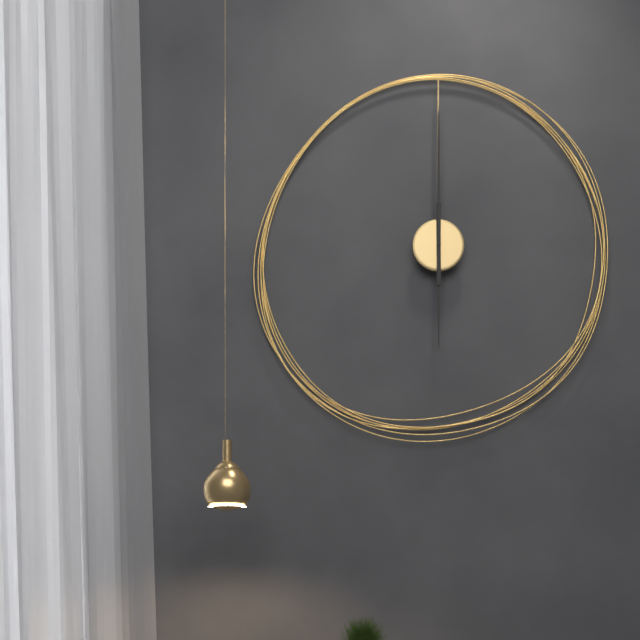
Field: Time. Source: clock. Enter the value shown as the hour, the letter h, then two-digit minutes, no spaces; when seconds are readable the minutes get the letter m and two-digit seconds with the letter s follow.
6h00
